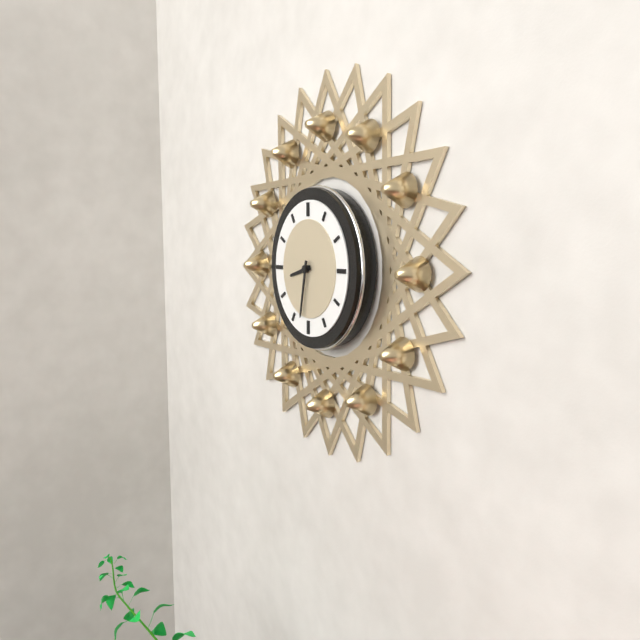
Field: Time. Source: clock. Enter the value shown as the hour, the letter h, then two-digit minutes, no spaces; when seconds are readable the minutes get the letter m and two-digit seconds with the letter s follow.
8h32
